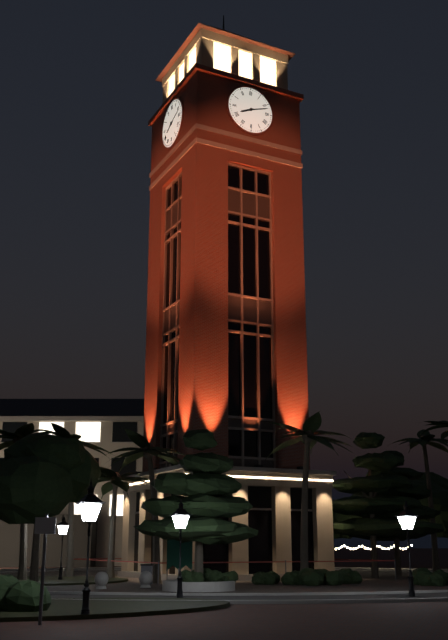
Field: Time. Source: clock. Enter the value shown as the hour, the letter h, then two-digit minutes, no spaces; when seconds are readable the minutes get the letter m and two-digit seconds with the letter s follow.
8h12
